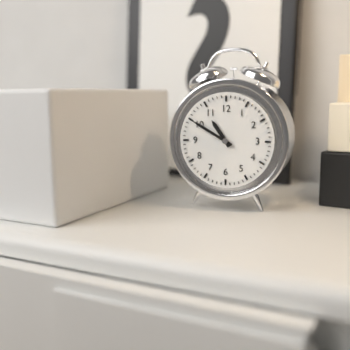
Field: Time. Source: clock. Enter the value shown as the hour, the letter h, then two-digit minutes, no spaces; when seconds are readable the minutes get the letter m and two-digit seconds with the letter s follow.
10h50
